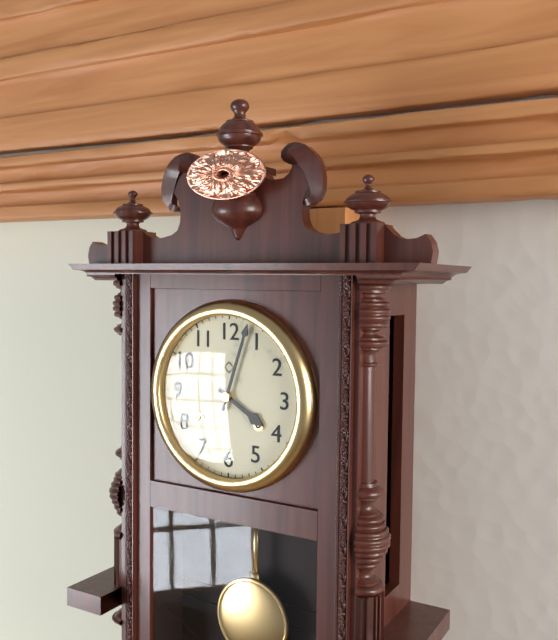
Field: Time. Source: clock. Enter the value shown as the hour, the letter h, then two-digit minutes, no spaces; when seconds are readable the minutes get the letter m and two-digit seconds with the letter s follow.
4h03
